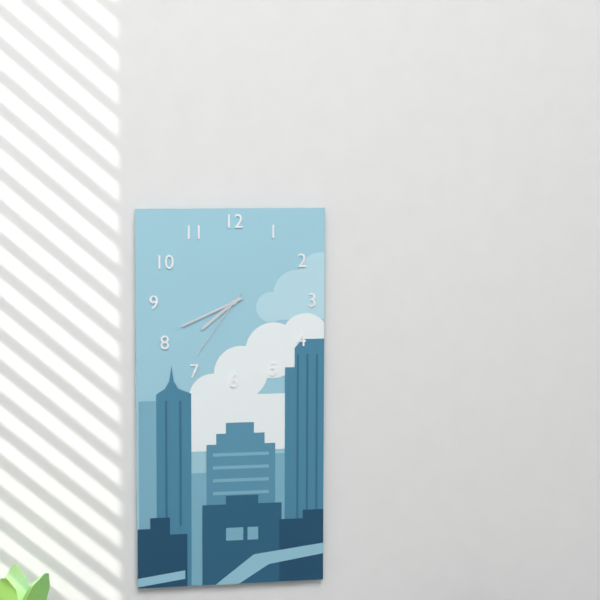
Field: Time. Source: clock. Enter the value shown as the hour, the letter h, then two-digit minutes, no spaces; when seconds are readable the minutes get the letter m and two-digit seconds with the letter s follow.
7h41m36s
